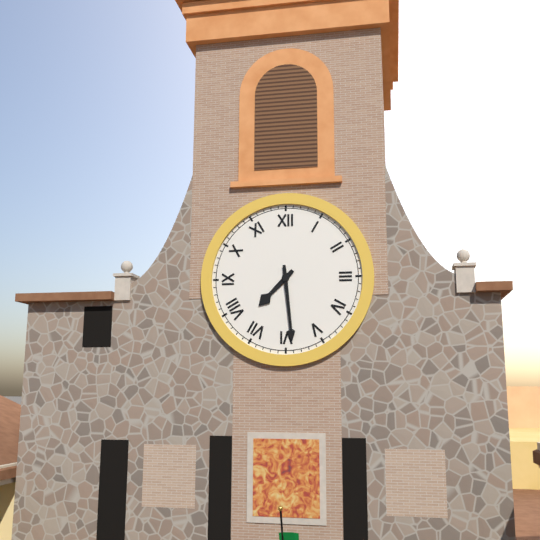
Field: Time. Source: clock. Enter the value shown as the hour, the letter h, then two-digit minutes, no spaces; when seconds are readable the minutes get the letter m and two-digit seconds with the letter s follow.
7h29
